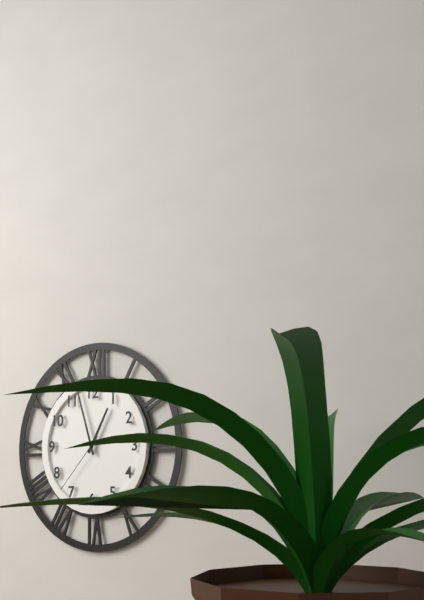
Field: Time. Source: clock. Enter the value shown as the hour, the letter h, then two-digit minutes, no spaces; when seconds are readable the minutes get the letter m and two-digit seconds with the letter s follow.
12h57m37s
